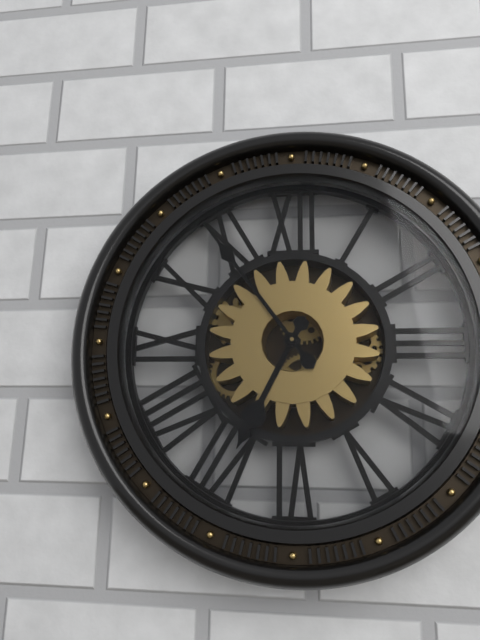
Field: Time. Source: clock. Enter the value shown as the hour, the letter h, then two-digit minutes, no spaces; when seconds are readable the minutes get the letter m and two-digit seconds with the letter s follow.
6h54
